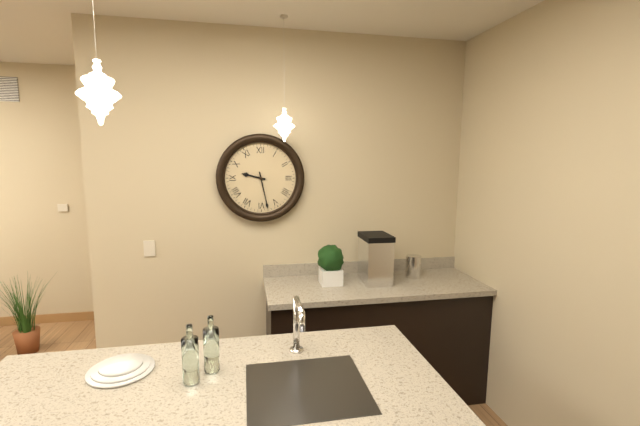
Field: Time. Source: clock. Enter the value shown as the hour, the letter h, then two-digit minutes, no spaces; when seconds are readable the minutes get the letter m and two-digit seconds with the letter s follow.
9h28
